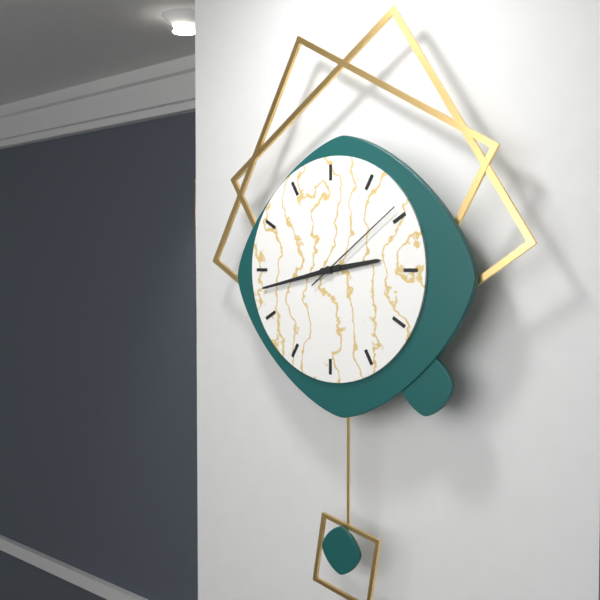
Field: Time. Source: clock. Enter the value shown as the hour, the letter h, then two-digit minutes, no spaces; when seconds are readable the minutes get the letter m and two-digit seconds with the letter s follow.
2h43m09s
